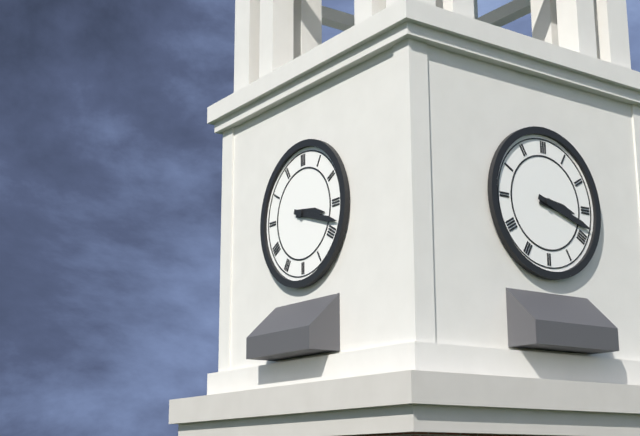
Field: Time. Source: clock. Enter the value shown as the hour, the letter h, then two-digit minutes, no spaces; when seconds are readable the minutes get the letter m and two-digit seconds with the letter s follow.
3h18
